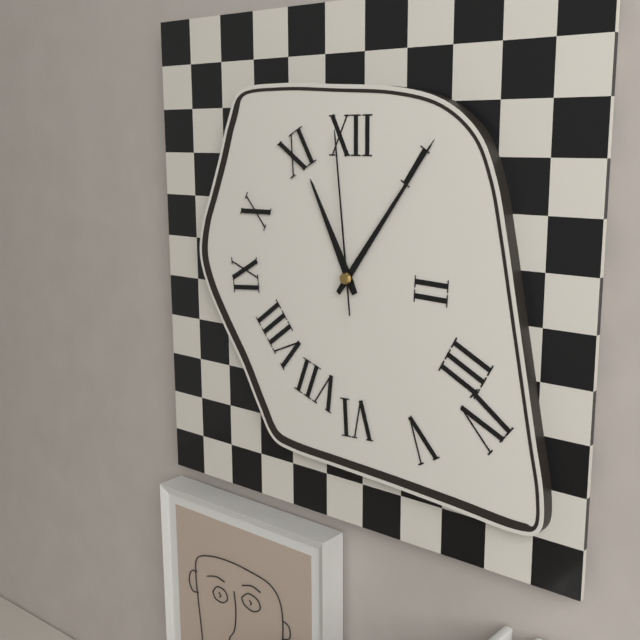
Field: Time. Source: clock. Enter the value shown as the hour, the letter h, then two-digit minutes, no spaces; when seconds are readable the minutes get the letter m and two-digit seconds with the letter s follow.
11h06m59s
